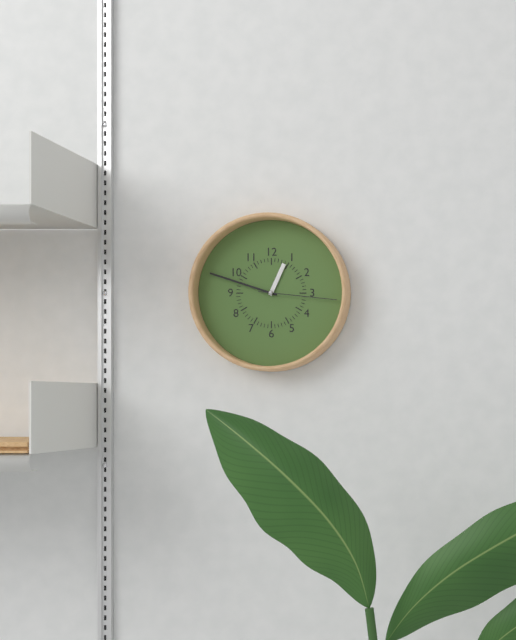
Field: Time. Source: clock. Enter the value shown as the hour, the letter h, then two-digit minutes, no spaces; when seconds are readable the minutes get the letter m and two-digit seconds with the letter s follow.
12h48m16s
